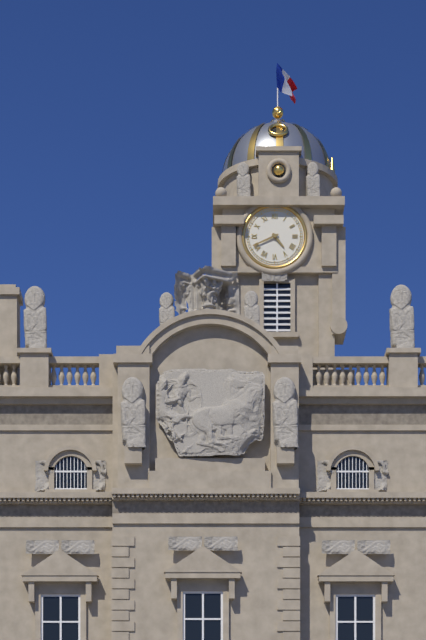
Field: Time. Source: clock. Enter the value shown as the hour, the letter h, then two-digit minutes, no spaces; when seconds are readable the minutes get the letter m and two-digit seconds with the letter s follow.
4h41
